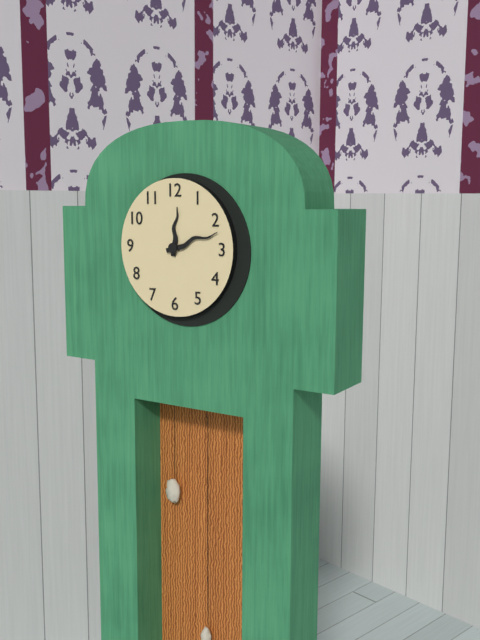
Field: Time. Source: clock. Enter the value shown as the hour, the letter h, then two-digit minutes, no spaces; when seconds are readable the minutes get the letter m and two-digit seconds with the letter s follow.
12h12
